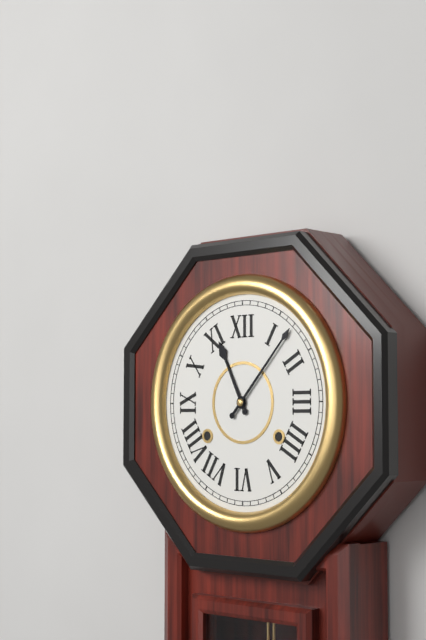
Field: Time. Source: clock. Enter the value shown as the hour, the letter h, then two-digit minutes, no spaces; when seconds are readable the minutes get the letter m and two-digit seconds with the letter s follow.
11h07
